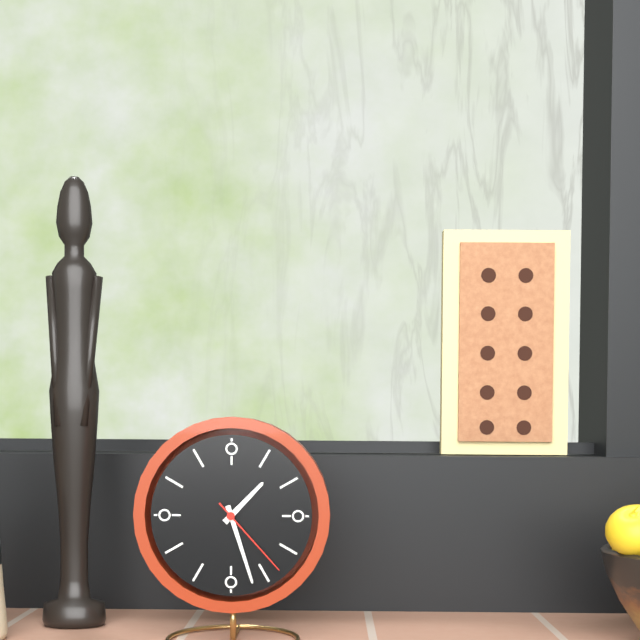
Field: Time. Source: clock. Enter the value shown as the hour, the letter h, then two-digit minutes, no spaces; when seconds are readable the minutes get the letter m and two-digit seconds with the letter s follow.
1h27m23s
